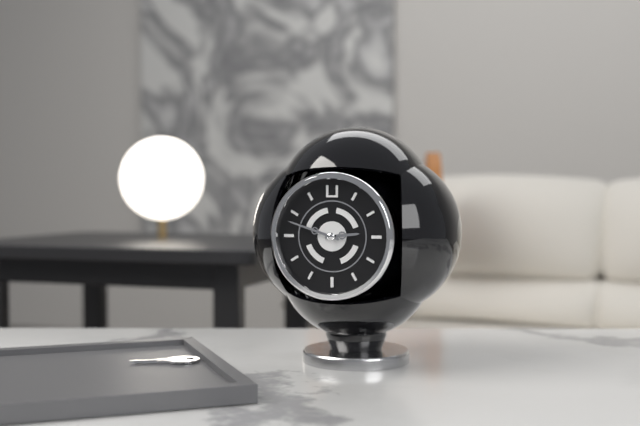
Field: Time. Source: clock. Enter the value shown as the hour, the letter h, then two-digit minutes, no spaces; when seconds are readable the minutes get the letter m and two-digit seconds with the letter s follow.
2h48
